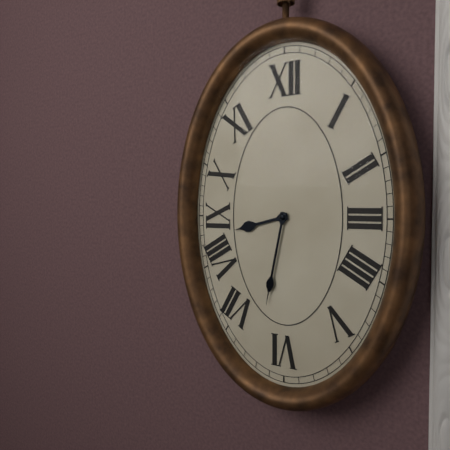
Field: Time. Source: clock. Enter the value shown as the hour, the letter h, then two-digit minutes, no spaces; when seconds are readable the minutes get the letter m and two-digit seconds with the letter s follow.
8h32
